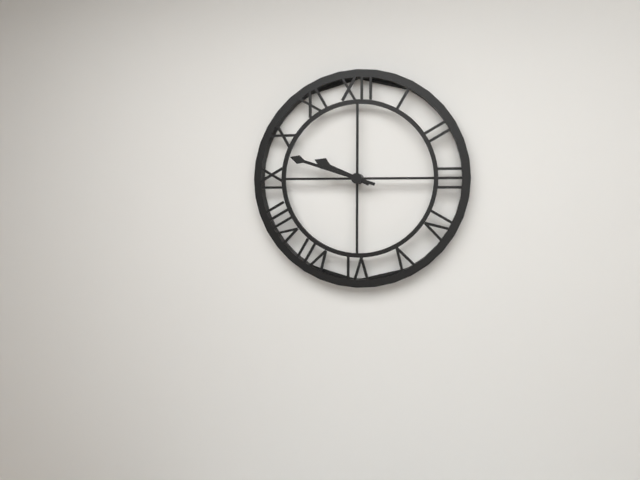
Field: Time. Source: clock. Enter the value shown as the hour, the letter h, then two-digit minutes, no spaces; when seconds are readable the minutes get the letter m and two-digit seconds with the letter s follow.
9h48
